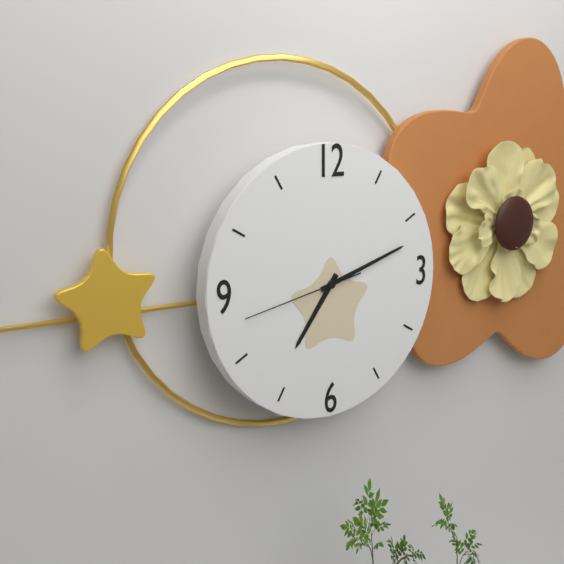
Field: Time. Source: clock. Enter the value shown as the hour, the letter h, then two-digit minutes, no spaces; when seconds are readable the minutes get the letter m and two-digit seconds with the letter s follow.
7h12m43s
